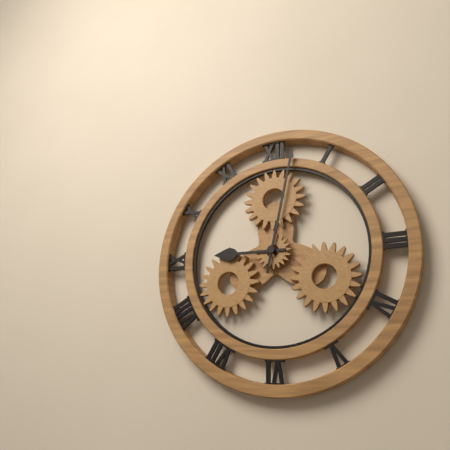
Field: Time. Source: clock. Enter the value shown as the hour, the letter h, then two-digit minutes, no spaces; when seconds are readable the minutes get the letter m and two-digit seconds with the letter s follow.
9h02
